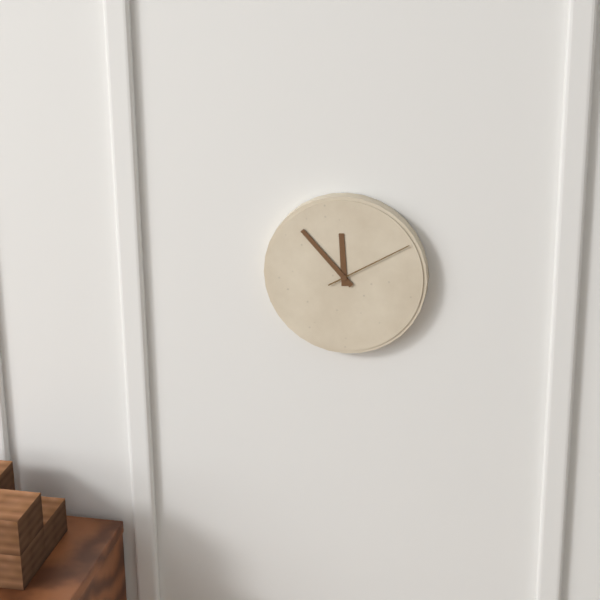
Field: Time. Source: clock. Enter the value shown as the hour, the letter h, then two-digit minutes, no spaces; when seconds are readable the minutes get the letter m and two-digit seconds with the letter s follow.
11h53m10s
